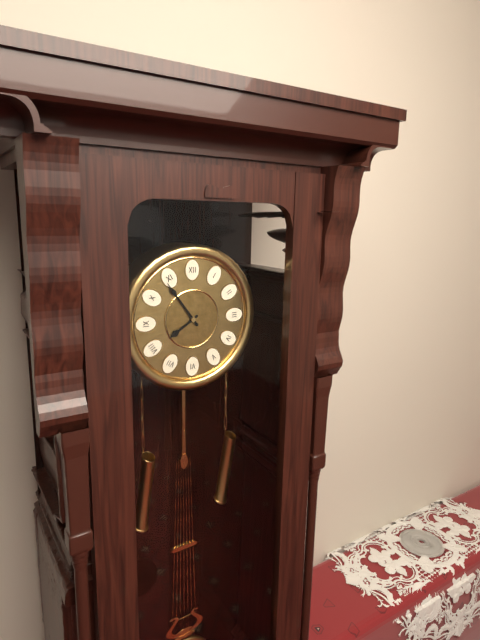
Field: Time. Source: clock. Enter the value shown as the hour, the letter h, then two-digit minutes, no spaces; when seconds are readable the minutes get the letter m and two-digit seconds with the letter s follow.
7h54
